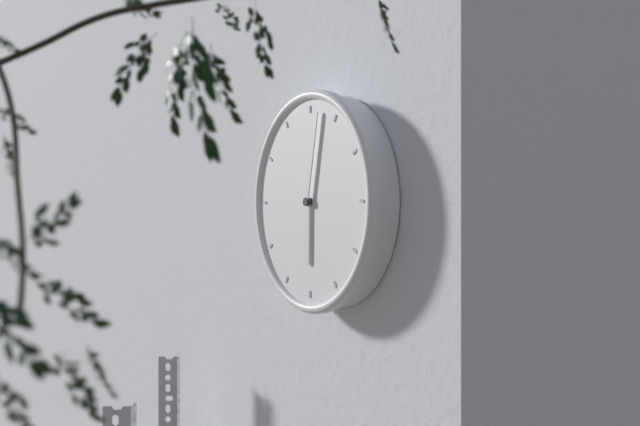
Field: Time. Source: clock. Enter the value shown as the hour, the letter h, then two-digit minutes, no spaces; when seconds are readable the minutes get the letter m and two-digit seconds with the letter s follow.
6h02
